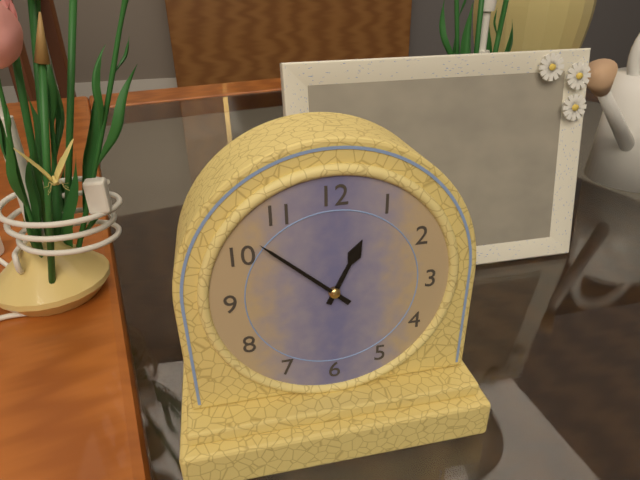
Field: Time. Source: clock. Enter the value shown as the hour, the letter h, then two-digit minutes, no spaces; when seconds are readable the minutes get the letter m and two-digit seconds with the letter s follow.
12h52
